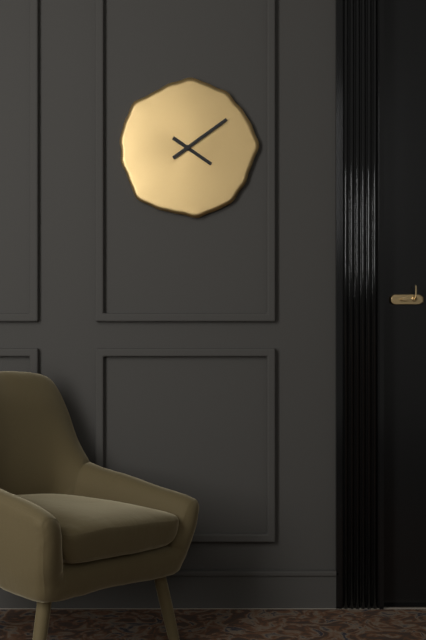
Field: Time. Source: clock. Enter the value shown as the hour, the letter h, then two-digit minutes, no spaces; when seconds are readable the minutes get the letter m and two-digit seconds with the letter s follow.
4h09
